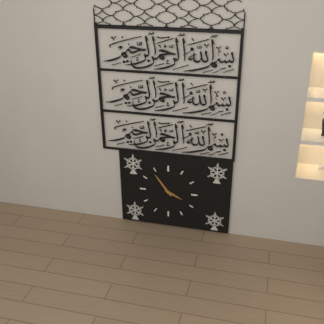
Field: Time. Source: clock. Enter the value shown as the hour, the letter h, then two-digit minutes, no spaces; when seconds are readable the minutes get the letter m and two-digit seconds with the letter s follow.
3h54
